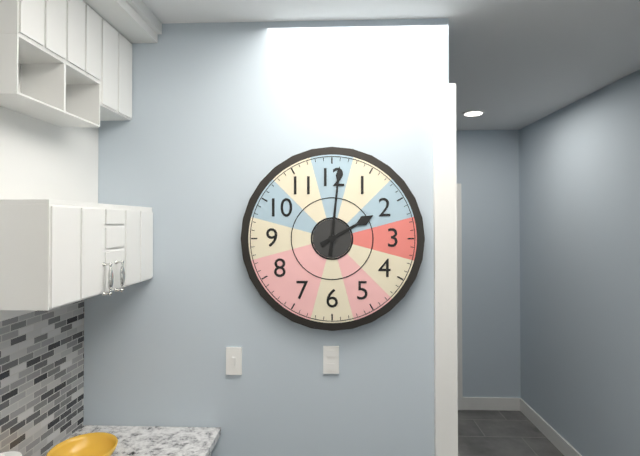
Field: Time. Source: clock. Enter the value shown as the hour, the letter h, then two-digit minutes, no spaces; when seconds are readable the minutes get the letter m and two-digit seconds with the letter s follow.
2h01
